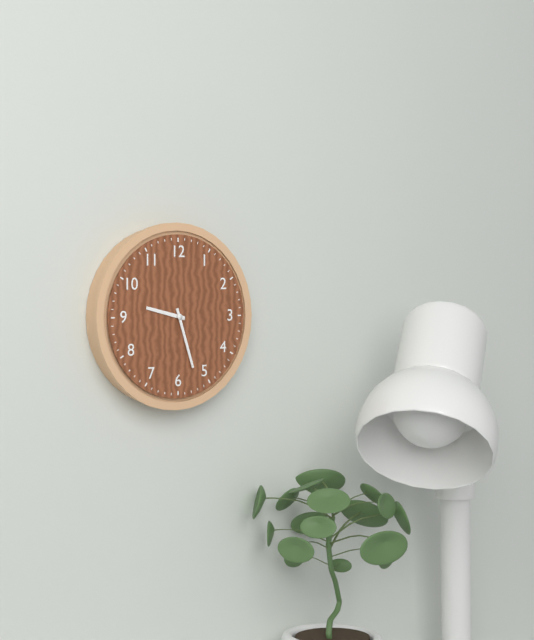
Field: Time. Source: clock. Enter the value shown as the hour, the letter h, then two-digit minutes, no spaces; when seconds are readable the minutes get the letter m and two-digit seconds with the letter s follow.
9h27
